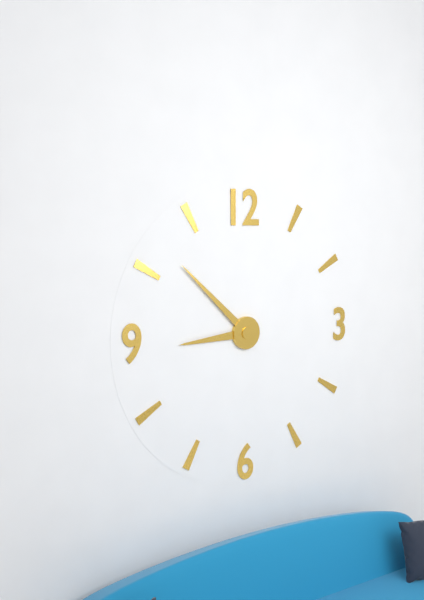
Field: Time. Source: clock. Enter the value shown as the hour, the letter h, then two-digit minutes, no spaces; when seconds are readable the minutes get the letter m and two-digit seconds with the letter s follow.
8h52
